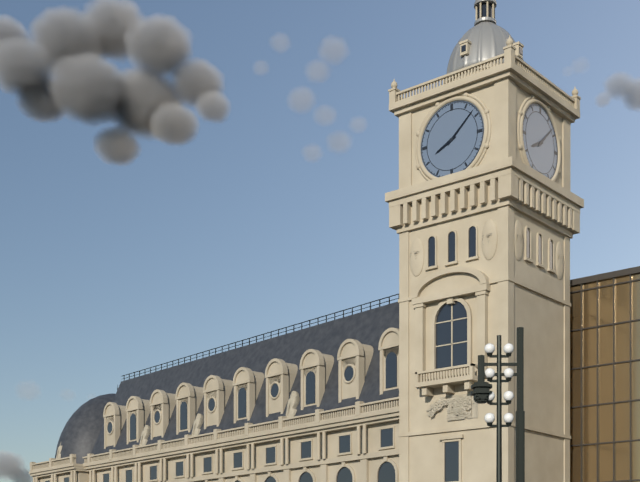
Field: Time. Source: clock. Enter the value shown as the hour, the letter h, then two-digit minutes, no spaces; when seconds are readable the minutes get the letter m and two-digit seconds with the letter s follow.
8h08
